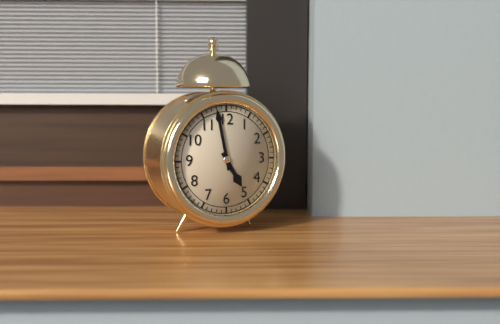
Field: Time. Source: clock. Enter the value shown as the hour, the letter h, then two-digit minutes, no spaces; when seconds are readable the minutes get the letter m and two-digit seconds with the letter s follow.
4h58
